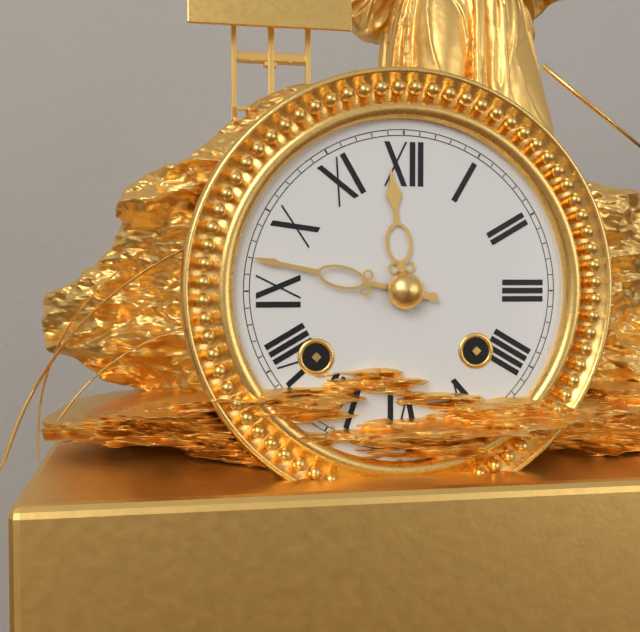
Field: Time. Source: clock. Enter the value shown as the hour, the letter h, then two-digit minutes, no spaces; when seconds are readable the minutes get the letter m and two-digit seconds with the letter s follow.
11h47
